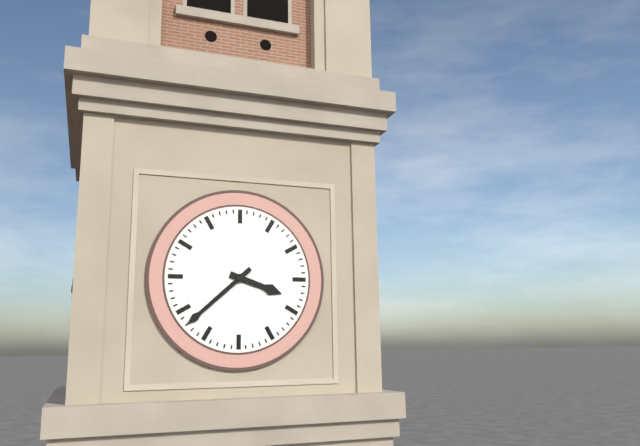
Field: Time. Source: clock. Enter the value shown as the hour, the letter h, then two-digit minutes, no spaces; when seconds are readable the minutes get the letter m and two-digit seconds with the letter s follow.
3h38
